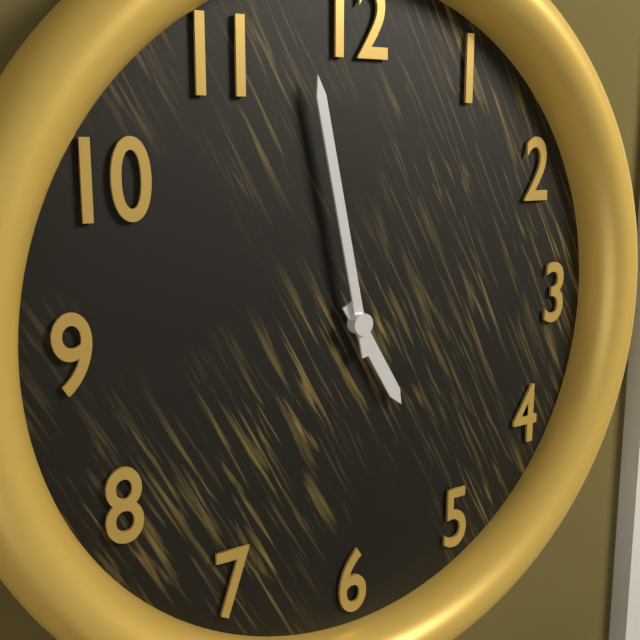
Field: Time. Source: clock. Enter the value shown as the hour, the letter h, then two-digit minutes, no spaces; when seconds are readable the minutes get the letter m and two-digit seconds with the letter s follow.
4h58
